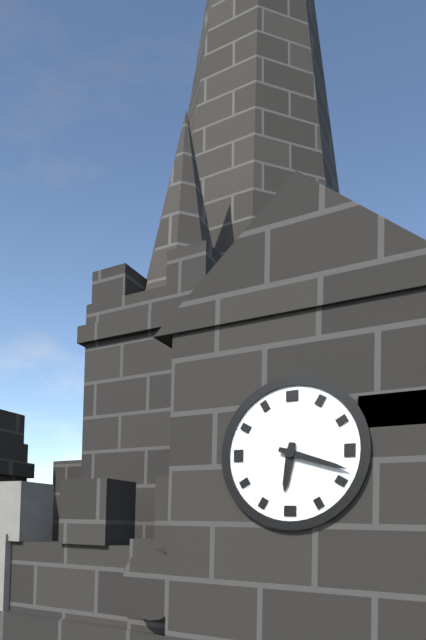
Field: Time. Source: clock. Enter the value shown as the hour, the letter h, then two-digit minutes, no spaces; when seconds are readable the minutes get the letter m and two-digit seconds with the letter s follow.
6h18
